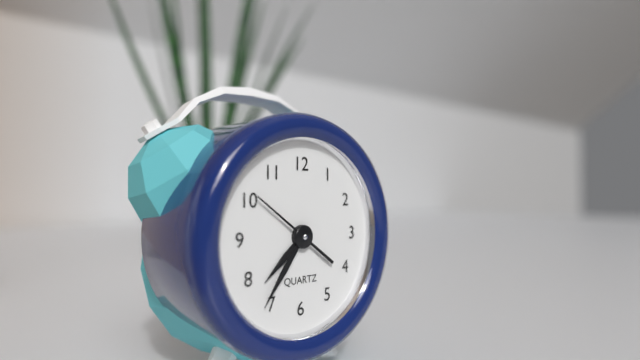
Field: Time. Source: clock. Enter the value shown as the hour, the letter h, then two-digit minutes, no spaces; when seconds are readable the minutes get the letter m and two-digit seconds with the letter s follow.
7h36m51s
